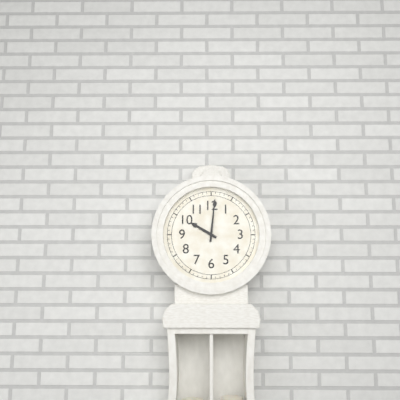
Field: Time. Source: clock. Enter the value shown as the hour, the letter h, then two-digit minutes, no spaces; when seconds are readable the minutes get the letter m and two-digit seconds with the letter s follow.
10h01
